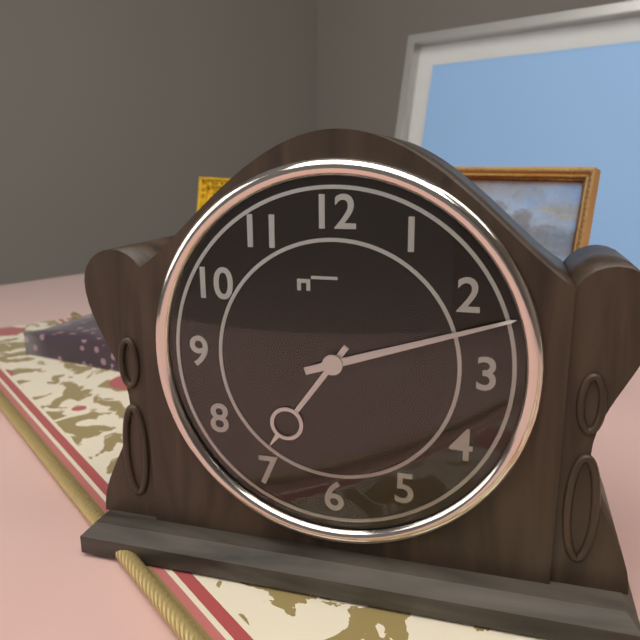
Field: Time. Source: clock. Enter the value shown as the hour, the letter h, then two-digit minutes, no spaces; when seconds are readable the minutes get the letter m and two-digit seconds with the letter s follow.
7h12
